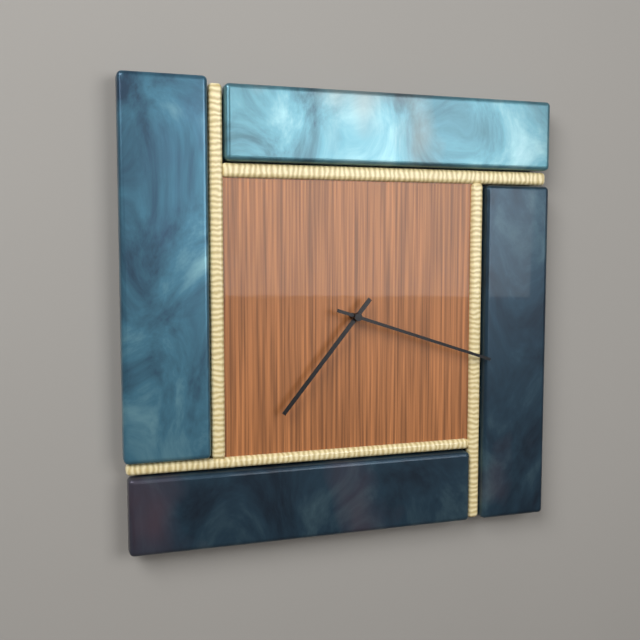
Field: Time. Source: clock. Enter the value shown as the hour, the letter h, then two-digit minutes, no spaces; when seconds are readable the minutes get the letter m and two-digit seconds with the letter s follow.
7h18
